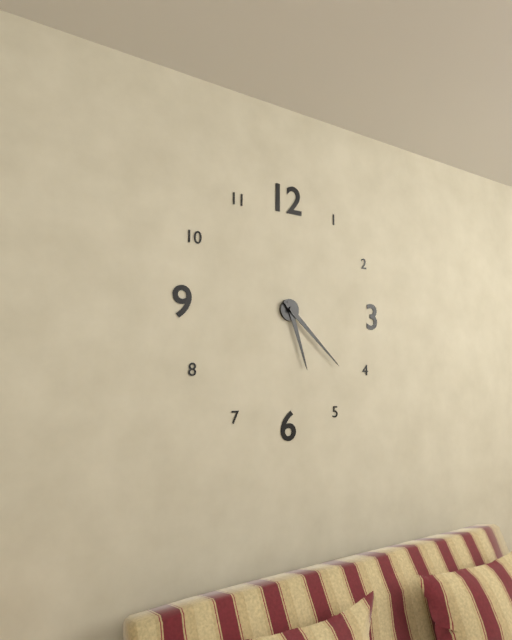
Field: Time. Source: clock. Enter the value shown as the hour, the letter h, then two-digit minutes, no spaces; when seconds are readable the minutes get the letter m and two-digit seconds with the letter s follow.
5h22
